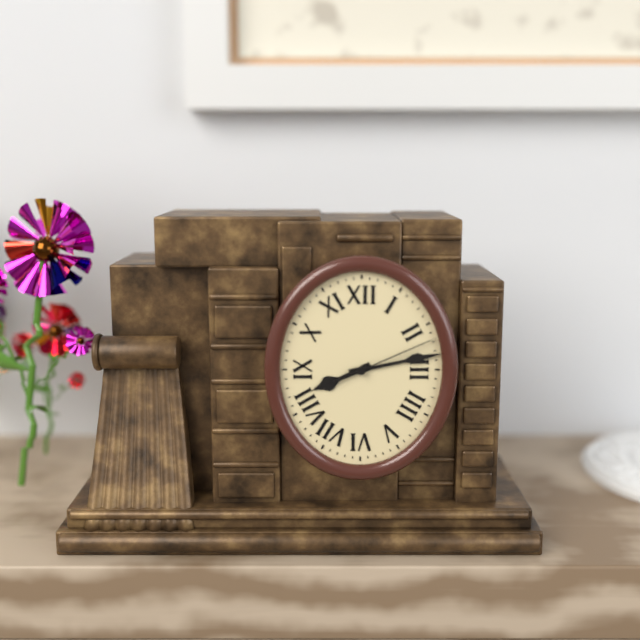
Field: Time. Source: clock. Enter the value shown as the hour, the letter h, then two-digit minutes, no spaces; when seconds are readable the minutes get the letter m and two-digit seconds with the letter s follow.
8h13m11s
